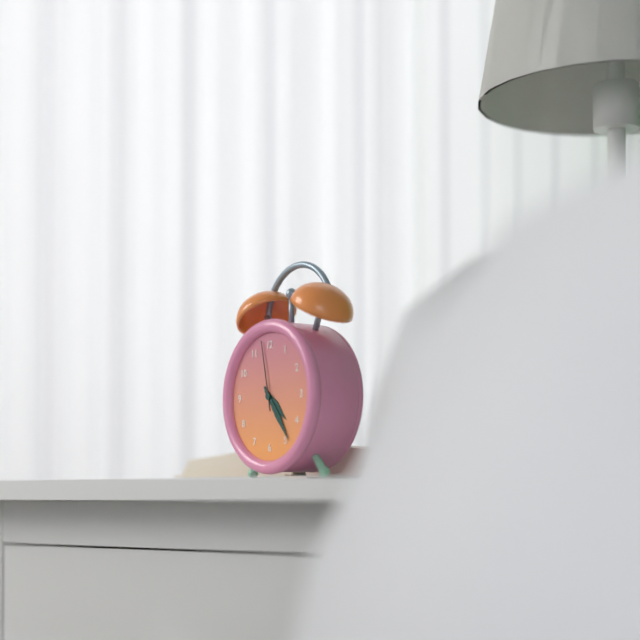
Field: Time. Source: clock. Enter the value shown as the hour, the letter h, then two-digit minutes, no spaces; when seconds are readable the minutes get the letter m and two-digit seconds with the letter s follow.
4h24m58s
